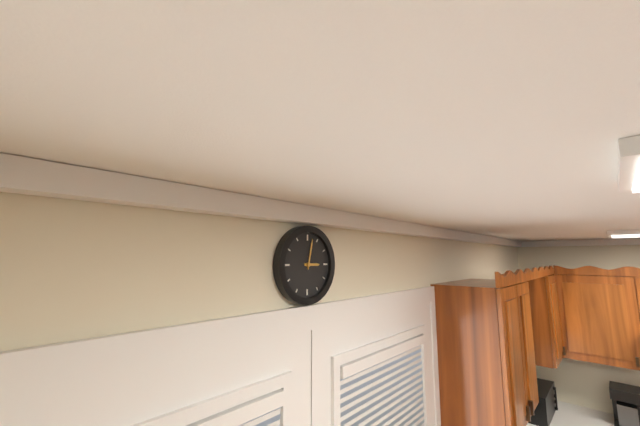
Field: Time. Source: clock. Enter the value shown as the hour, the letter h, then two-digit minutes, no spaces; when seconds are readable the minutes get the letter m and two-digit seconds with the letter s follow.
3h02
